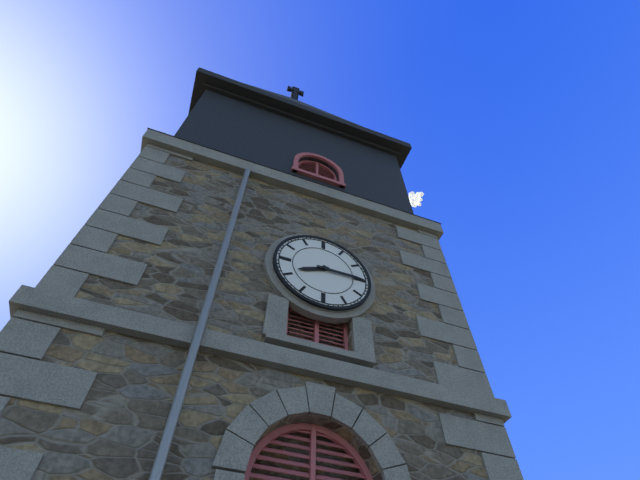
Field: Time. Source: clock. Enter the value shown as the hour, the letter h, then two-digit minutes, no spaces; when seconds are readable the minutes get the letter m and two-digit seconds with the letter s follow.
8h15
